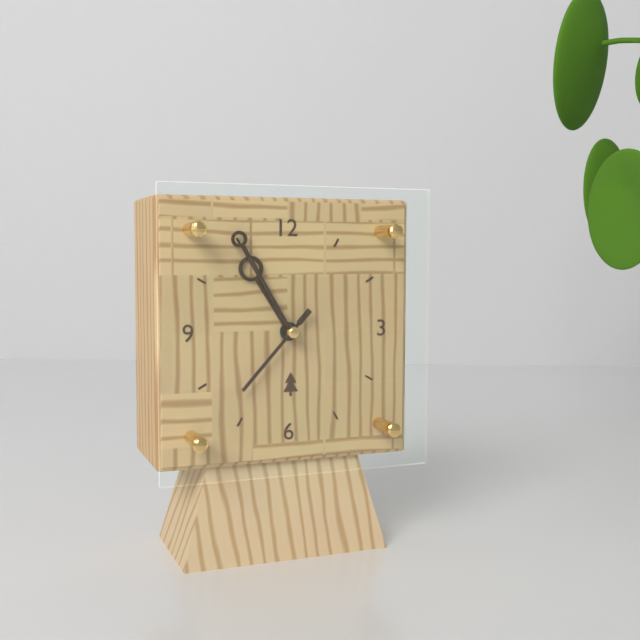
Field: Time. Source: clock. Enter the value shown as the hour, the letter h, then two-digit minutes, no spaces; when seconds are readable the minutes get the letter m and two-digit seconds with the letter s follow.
10h55m37s
